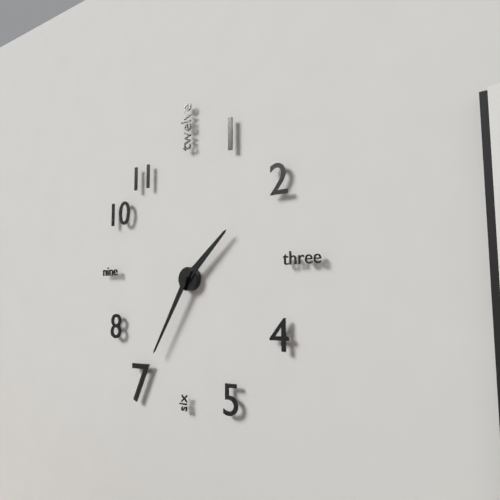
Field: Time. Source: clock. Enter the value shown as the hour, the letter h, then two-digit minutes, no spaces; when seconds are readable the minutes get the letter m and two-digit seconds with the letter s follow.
1h35
